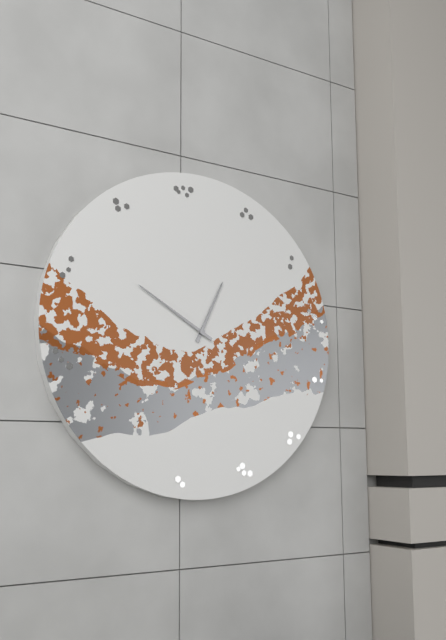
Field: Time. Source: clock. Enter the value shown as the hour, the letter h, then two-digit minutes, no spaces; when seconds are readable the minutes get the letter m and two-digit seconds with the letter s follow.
12h50
